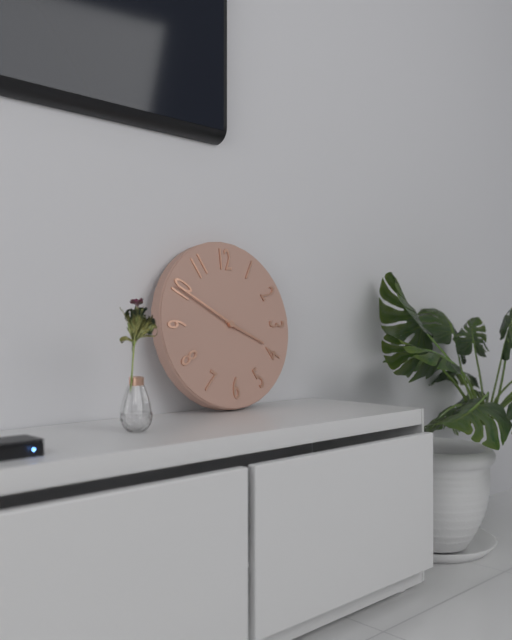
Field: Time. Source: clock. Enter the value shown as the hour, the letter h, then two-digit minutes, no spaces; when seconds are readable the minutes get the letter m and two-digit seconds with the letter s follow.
3h50
